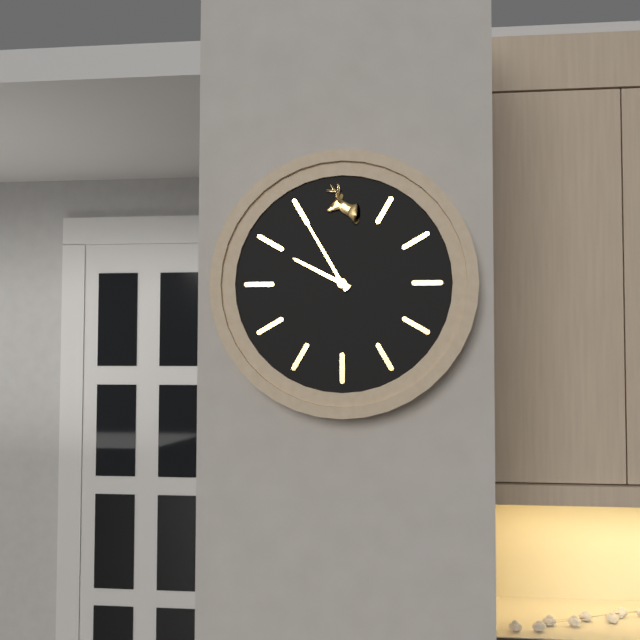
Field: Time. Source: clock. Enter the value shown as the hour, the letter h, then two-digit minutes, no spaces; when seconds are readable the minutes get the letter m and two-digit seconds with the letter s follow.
9h55
